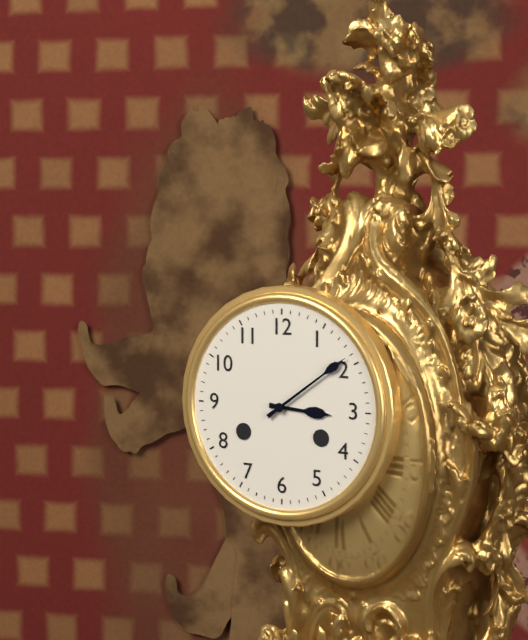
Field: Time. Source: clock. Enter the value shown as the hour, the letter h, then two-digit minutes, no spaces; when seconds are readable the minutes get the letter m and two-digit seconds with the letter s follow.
3h09
